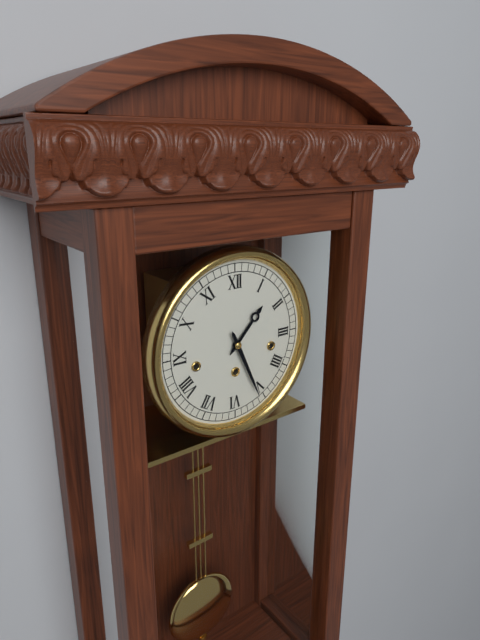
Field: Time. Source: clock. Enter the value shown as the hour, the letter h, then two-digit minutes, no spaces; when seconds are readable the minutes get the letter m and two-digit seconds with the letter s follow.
1h26
